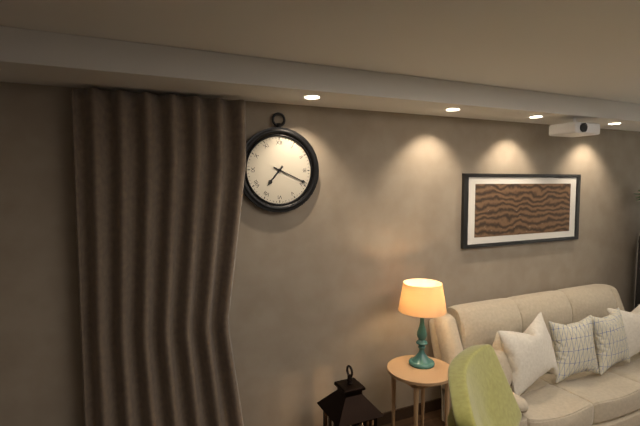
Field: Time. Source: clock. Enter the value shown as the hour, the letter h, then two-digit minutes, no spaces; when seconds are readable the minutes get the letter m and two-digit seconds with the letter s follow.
7h19
